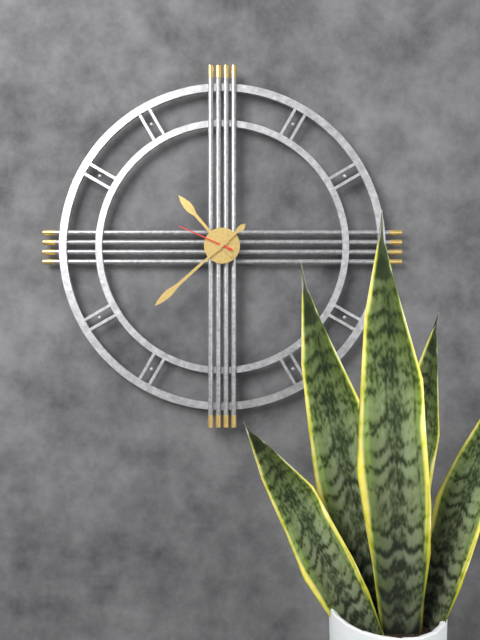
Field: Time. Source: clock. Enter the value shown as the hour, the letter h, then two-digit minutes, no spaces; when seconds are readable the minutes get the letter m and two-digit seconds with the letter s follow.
10h38m49s
